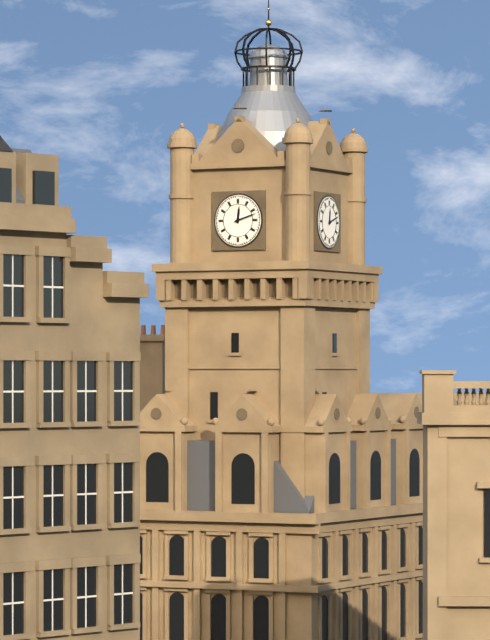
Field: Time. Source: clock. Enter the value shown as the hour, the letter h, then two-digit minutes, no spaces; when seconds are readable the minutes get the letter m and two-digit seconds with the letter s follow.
12h12
